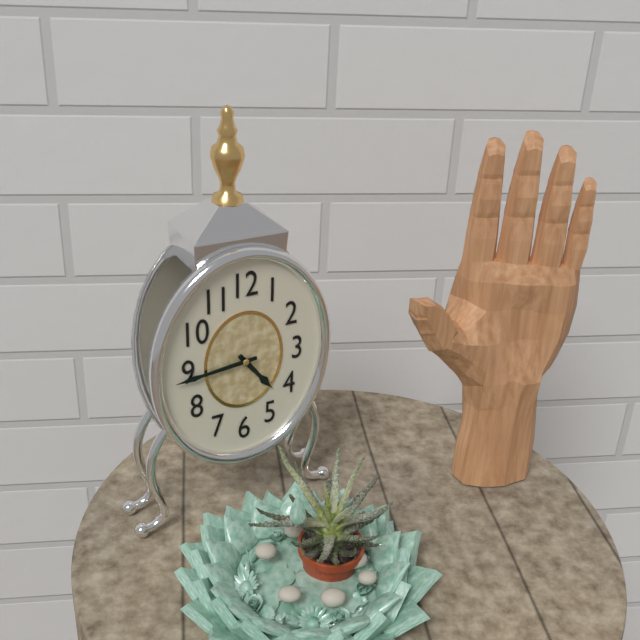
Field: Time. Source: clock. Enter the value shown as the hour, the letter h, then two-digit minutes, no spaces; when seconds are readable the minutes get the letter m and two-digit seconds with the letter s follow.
4h44
